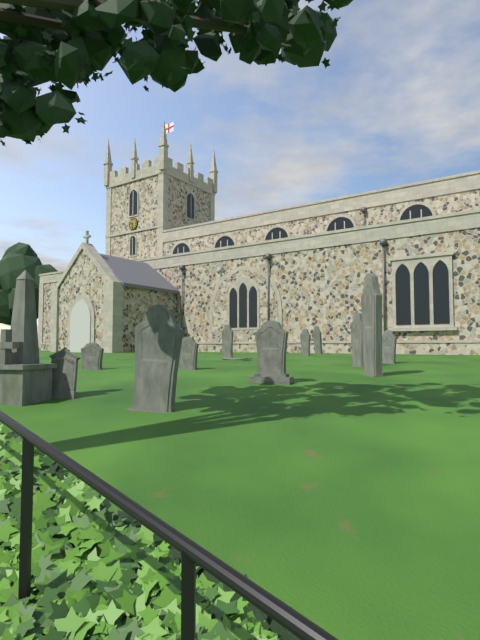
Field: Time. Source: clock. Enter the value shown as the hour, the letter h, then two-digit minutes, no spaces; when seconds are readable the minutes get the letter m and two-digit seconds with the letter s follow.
9h30
